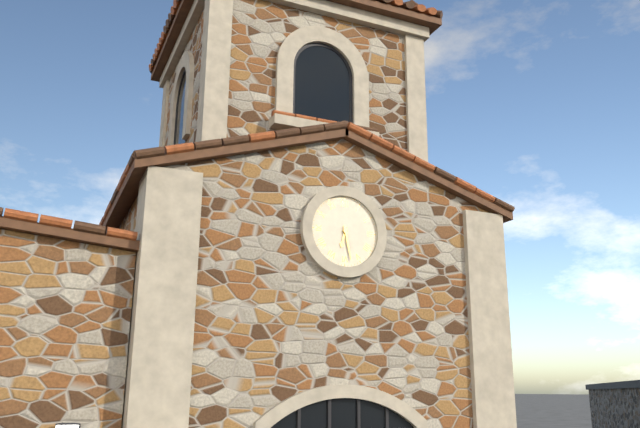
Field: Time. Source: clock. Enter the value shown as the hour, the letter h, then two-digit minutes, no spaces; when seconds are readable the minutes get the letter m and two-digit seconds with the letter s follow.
6h28
